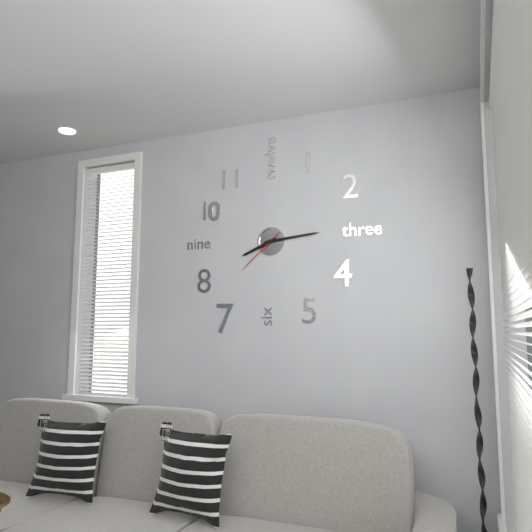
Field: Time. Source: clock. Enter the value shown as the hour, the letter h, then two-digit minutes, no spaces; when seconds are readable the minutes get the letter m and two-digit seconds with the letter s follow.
8h14m38s
